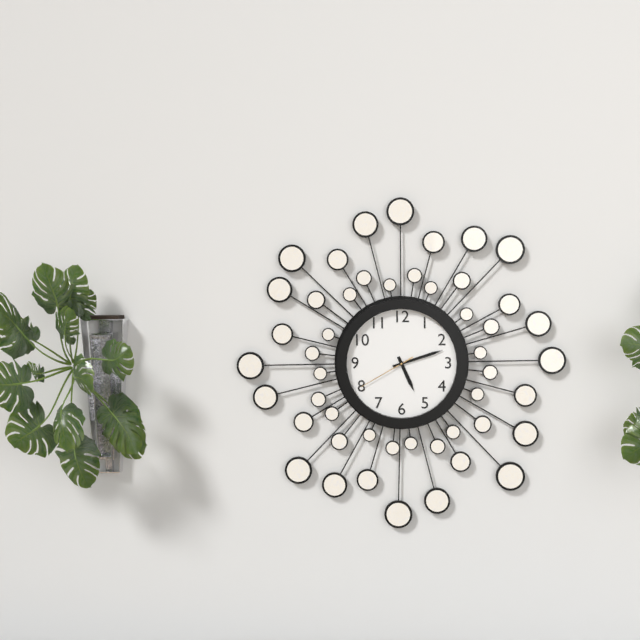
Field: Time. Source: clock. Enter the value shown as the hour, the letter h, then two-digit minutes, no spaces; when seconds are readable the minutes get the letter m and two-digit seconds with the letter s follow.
5h12m40s
